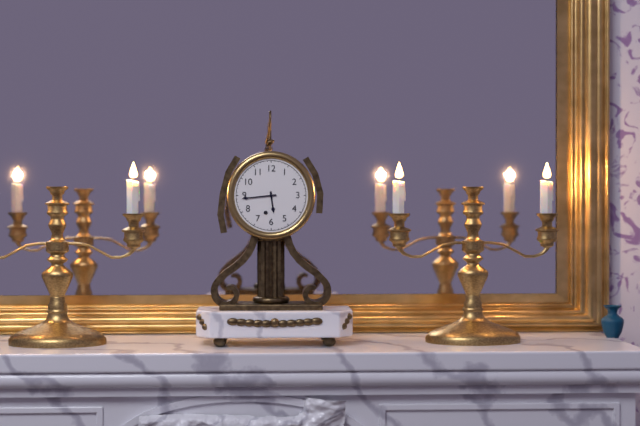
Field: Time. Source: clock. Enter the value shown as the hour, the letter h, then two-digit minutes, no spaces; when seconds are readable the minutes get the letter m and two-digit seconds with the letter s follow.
5h44
